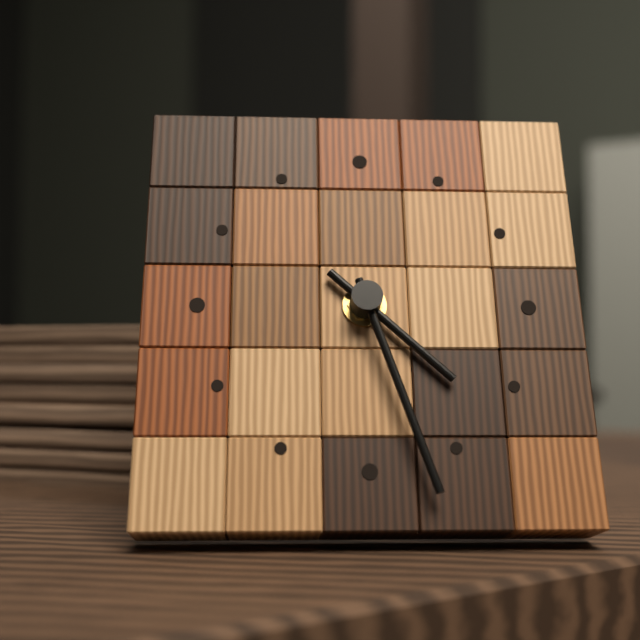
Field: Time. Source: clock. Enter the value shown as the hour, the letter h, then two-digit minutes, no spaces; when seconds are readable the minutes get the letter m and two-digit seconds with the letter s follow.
4h27
